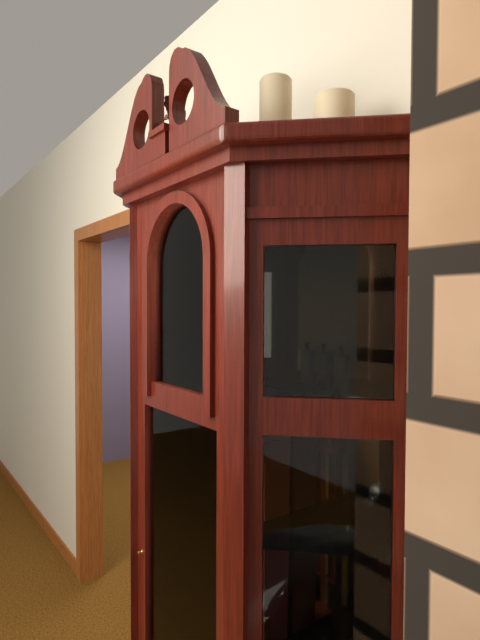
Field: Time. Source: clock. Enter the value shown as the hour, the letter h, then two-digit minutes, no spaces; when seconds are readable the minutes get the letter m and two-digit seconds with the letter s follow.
1h01
